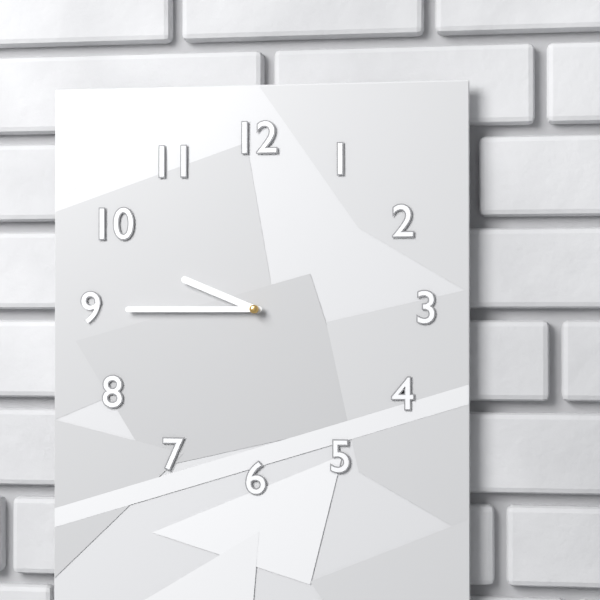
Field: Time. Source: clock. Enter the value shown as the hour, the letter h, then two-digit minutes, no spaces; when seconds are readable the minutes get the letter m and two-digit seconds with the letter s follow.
9h45
